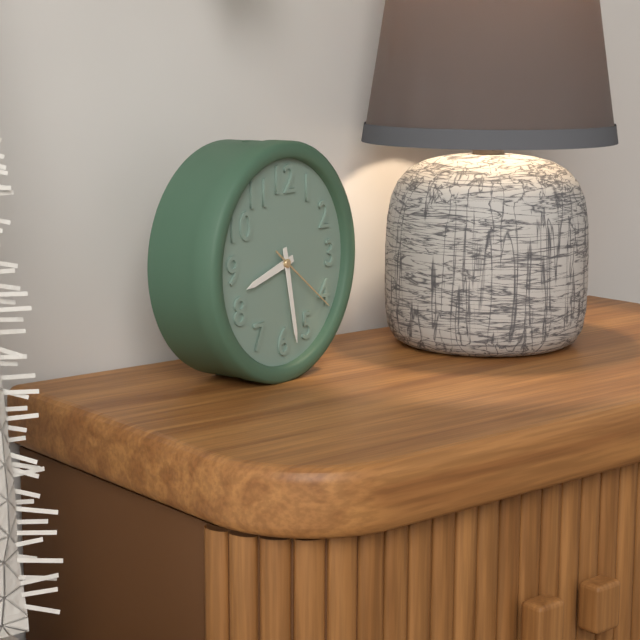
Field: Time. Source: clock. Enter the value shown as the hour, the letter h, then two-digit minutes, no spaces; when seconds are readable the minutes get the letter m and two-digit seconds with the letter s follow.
8h28m21s
